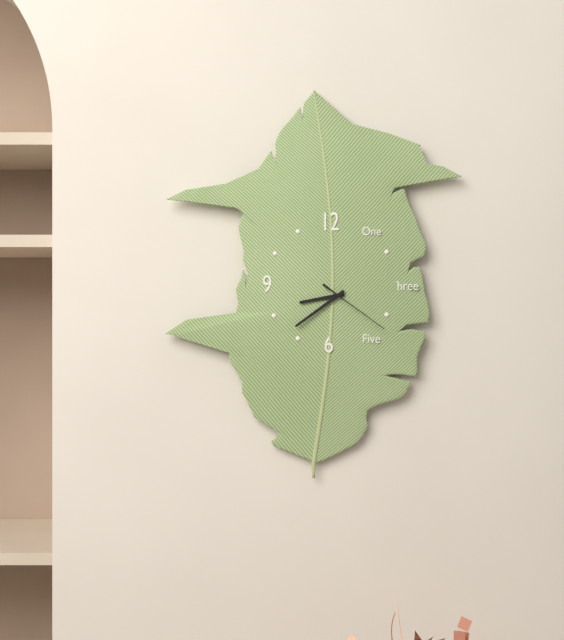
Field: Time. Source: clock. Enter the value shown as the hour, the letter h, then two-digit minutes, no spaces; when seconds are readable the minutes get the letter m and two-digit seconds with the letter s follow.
8h39m21s
